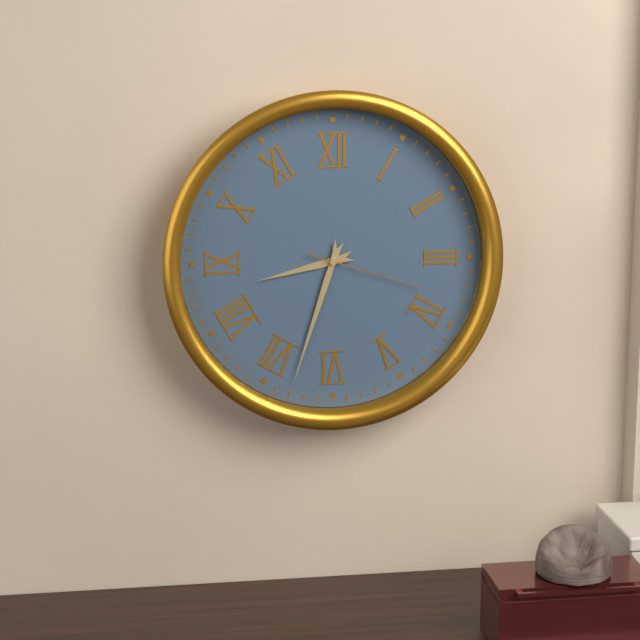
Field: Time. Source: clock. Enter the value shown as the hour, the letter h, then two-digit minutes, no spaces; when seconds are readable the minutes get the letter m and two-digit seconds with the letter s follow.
8h33m18s
